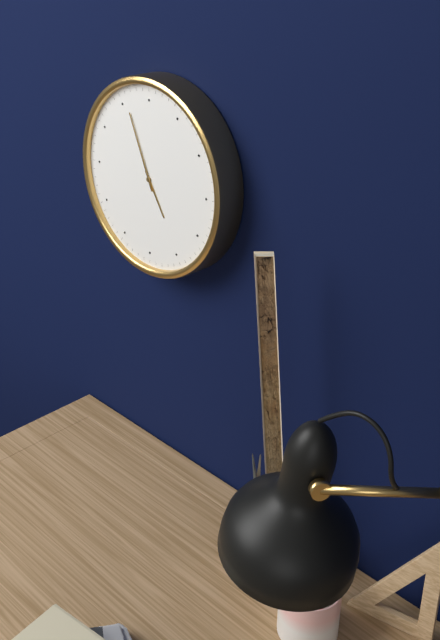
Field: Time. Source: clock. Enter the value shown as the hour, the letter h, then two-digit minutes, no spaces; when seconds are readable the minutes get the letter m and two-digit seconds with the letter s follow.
4h56
